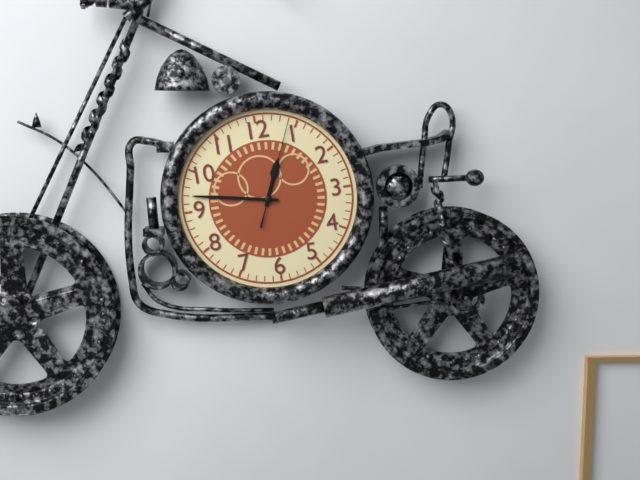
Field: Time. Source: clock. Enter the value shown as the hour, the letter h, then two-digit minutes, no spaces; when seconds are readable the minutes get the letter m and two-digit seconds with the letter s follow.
12h47m04s
